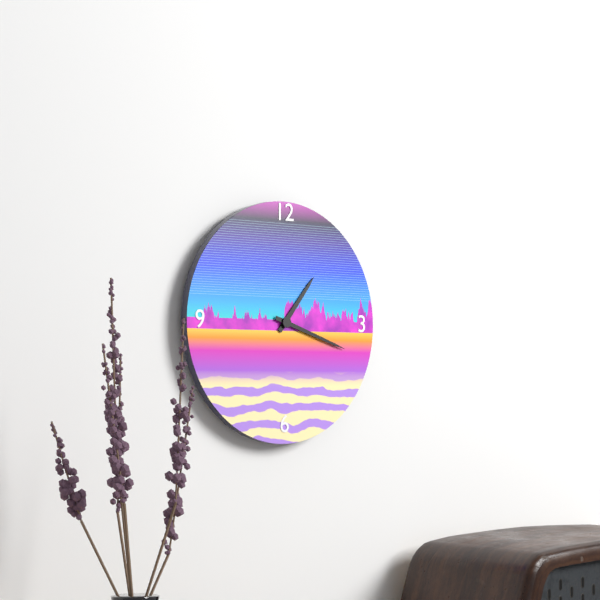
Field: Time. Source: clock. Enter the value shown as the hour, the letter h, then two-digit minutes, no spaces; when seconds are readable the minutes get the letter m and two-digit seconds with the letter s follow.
1h18
